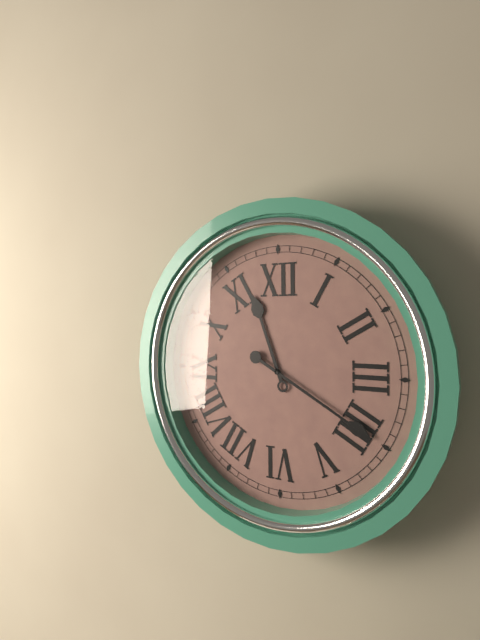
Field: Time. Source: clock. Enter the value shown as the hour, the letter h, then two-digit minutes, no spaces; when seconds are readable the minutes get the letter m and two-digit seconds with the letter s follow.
11h20
